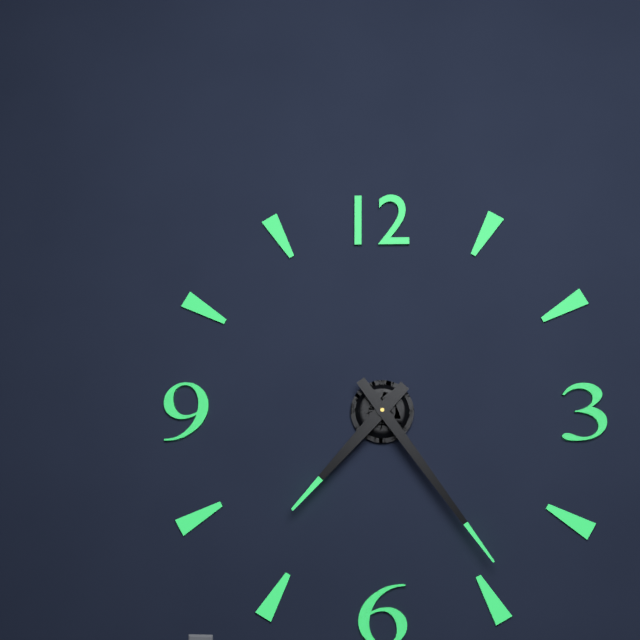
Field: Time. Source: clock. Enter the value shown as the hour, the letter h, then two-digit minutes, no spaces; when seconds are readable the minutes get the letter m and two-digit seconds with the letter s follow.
7h24
